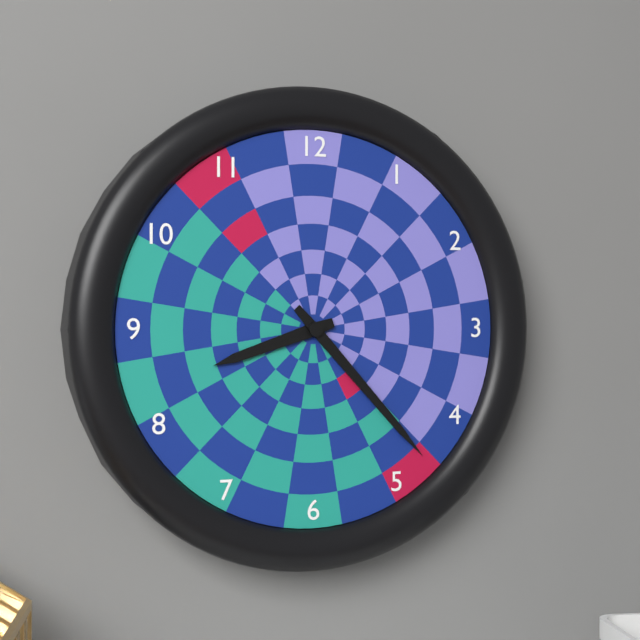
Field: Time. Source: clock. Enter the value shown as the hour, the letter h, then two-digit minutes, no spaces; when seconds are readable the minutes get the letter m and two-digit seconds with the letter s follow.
8h23
